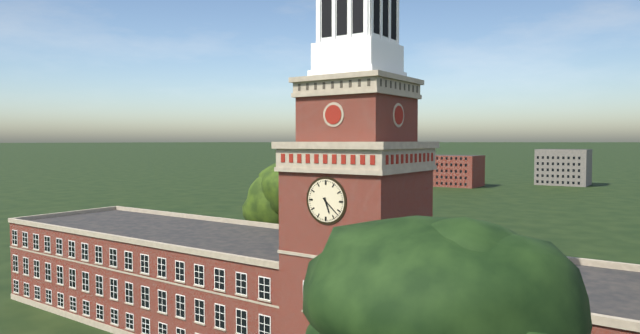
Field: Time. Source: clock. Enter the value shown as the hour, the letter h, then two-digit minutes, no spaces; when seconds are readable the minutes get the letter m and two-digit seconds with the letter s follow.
5h22
